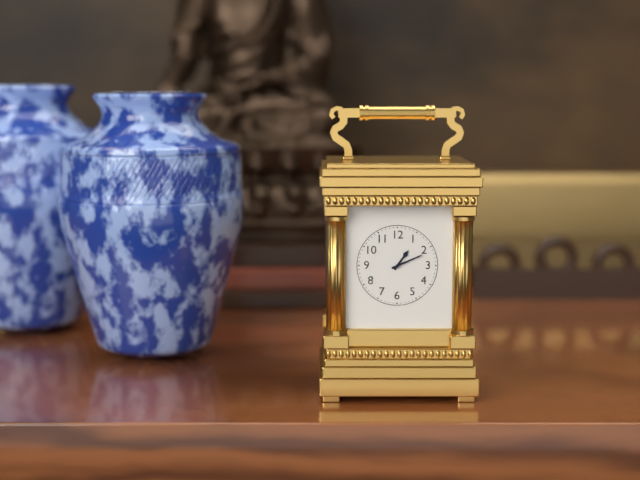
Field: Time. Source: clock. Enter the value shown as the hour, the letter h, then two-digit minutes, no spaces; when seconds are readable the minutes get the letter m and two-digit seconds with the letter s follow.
1h11
